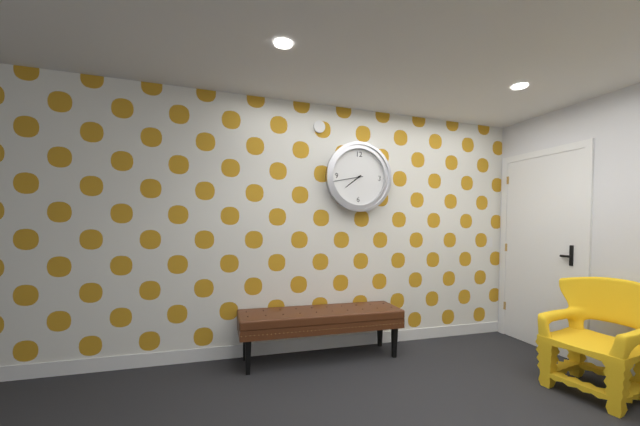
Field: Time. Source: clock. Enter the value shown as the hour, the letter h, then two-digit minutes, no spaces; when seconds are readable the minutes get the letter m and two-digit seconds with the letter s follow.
7h43
